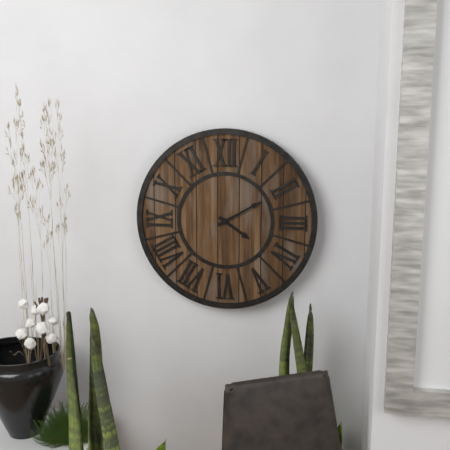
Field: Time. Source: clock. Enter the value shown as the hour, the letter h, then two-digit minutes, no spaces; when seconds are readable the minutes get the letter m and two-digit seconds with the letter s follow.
4h10
